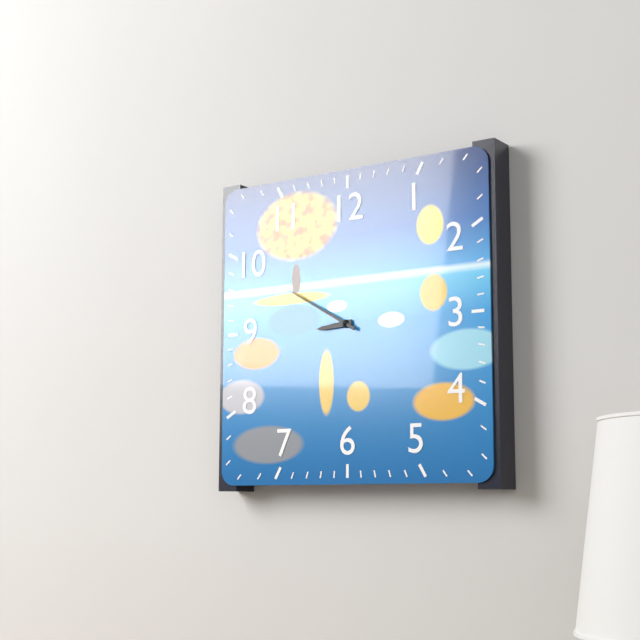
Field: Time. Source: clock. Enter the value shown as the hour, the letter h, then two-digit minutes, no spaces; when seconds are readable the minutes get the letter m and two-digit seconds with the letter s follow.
8h50
